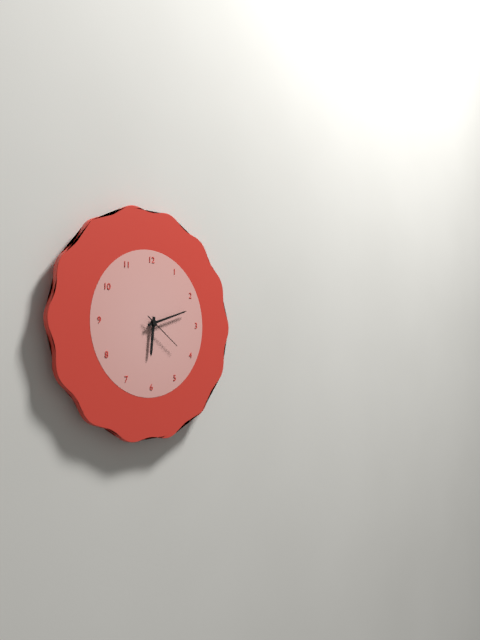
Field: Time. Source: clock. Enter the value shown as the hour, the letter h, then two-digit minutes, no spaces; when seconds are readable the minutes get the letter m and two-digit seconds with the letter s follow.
6h12
